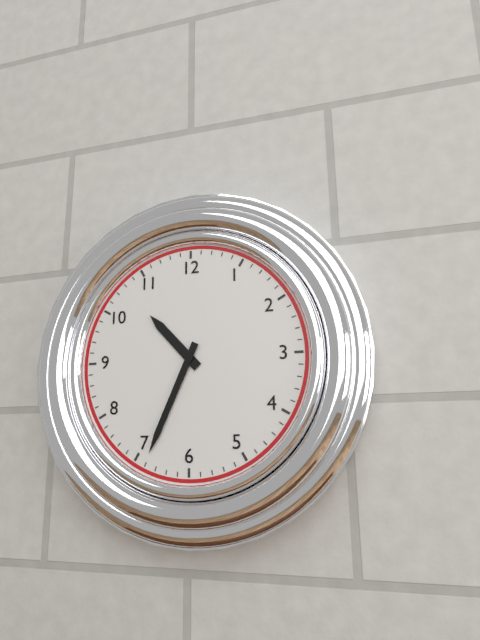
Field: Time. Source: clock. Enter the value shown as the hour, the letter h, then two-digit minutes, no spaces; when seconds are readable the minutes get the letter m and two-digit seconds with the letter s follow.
10h34
